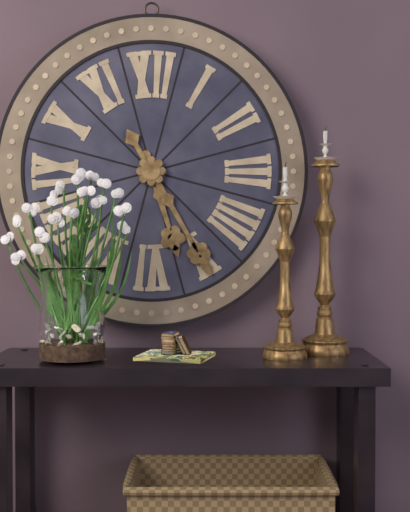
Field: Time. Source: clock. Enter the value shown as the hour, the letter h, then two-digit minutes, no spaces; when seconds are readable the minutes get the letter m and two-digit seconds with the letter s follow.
5h25
